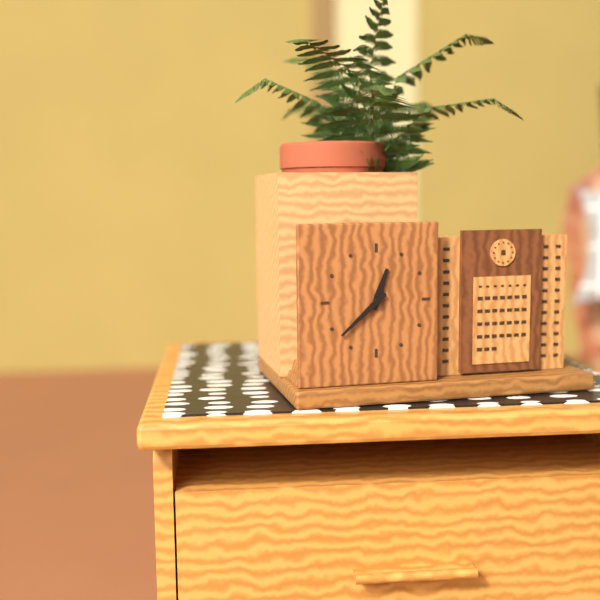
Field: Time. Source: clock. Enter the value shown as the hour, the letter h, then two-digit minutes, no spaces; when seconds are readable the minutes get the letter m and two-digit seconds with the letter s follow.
12h38
